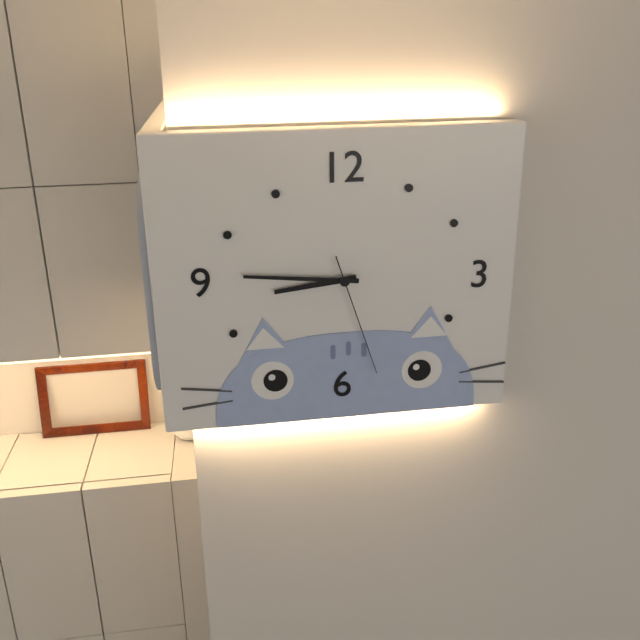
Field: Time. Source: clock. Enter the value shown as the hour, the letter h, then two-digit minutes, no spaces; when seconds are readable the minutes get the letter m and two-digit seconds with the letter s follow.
8h46m27s
